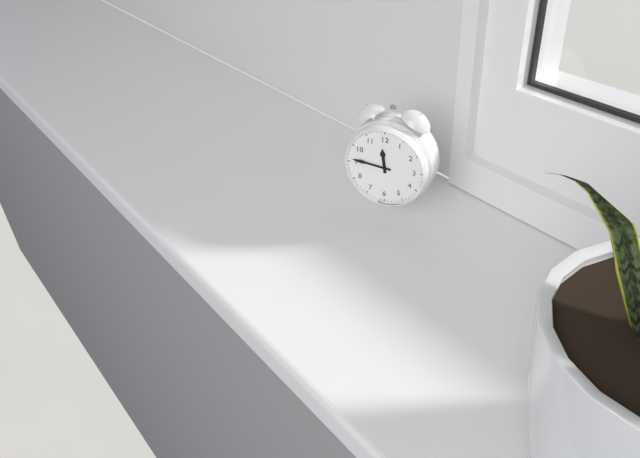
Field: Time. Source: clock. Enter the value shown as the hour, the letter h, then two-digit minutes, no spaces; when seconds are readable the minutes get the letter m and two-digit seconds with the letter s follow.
11h46
